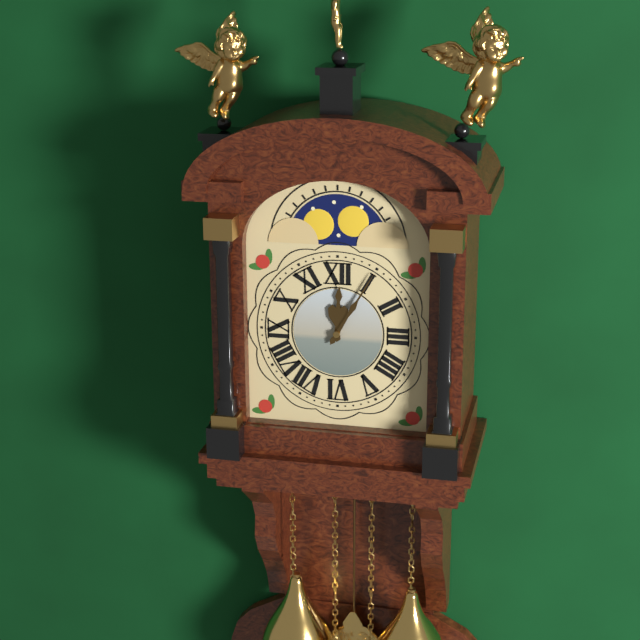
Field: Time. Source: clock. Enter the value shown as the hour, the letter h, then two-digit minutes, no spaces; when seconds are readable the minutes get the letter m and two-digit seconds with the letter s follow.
12h05
